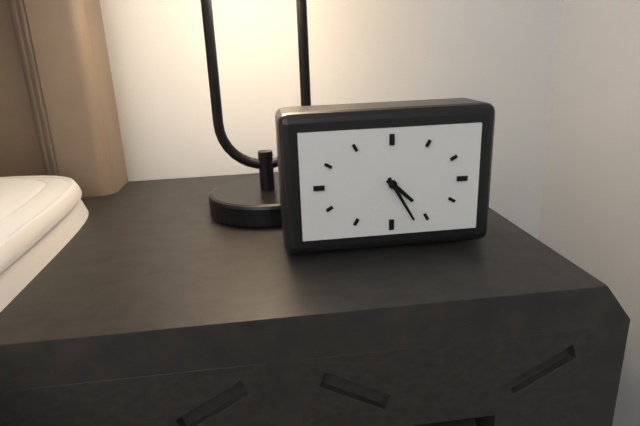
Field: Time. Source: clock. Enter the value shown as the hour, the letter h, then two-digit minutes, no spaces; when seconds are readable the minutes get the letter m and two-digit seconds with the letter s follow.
4h25
